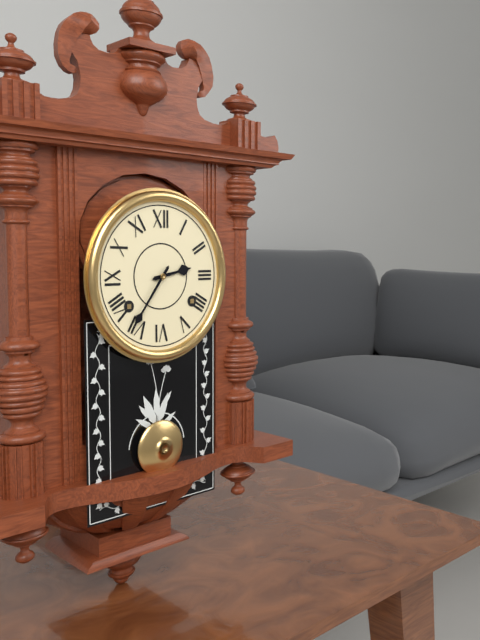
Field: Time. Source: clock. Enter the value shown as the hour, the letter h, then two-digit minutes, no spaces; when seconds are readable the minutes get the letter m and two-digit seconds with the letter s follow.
2h36
